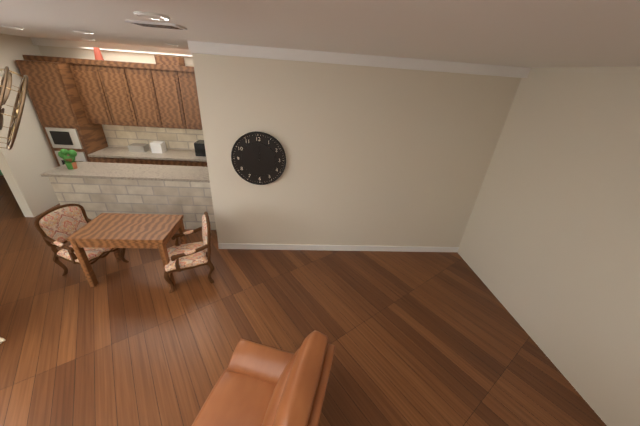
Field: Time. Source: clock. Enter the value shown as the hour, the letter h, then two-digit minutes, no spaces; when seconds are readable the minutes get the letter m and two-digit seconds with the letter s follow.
11h00
